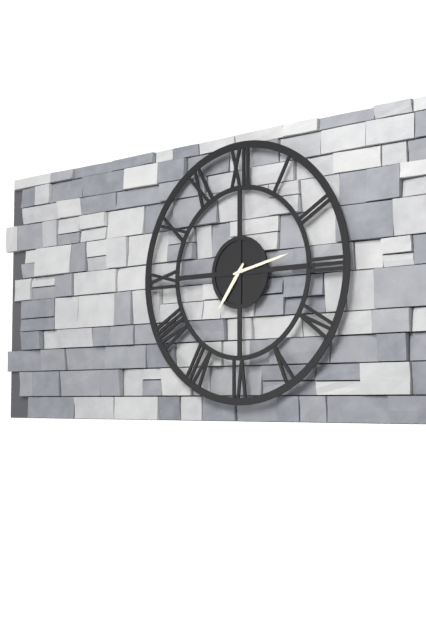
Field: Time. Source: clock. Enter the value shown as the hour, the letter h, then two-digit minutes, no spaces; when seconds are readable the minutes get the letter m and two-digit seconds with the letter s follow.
7h13
